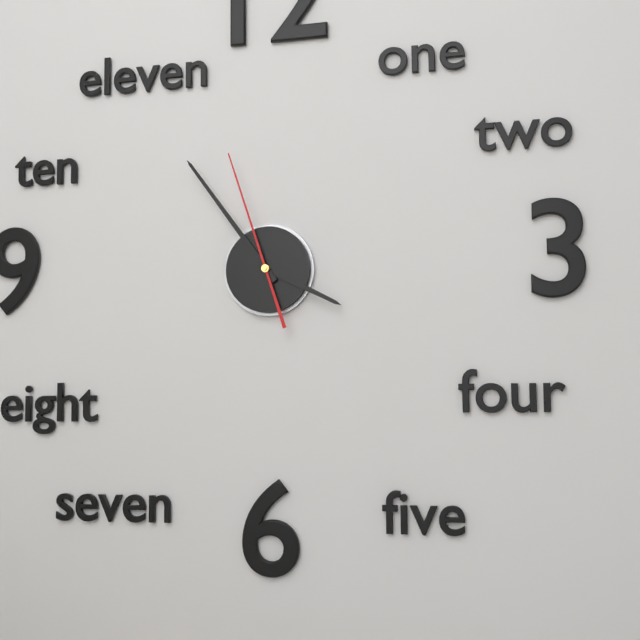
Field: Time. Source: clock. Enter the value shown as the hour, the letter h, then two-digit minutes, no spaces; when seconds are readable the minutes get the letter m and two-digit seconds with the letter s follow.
3h54m57s
